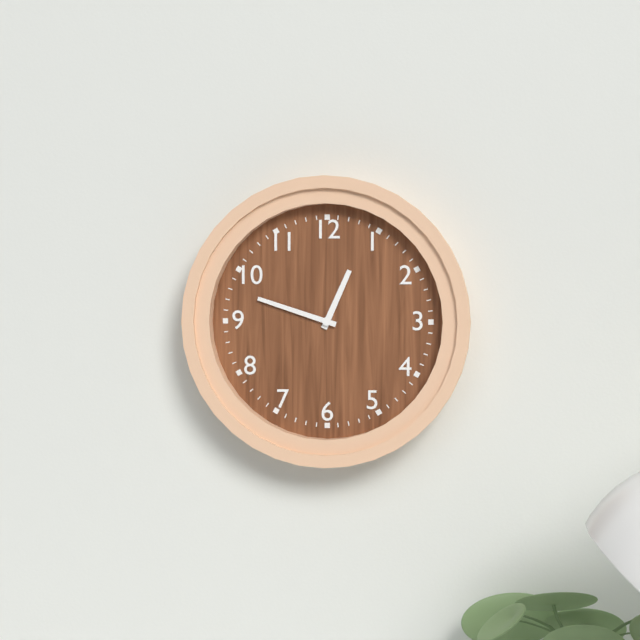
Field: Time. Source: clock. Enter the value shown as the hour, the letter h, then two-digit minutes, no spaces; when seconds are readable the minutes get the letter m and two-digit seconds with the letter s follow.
12h48
